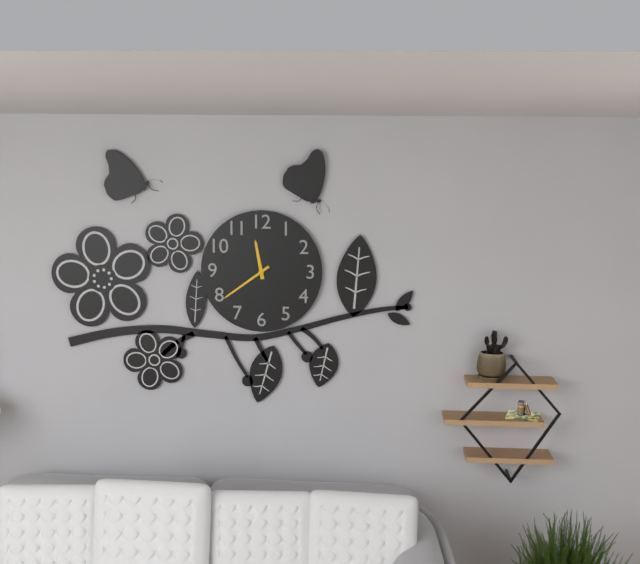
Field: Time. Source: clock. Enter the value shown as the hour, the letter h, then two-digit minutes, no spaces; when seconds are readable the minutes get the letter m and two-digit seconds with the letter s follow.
11h39
